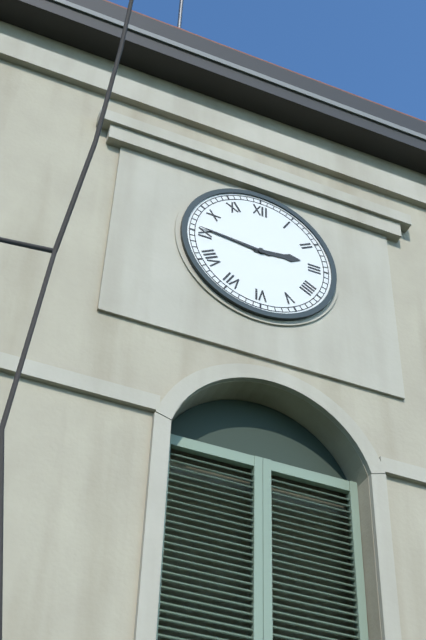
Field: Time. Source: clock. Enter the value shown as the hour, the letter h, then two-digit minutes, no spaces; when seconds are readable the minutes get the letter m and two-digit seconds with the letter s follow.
2h46
